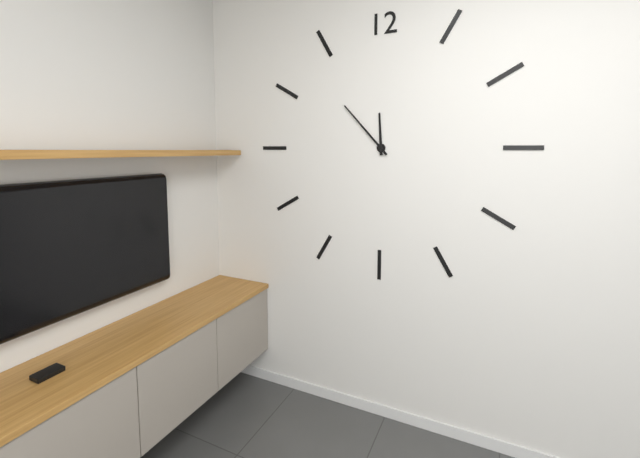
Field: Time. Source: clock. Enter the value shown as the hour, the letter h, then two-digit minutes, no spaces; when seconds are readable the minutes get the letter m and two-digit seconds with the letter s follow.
11h53
